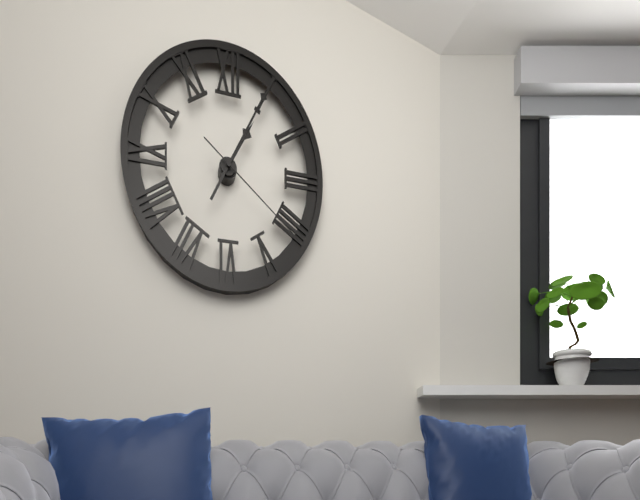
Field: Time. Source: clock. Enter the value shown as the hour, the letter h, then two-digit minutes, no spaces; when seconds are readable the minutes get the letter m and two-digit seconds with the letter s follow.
1h05m21s
